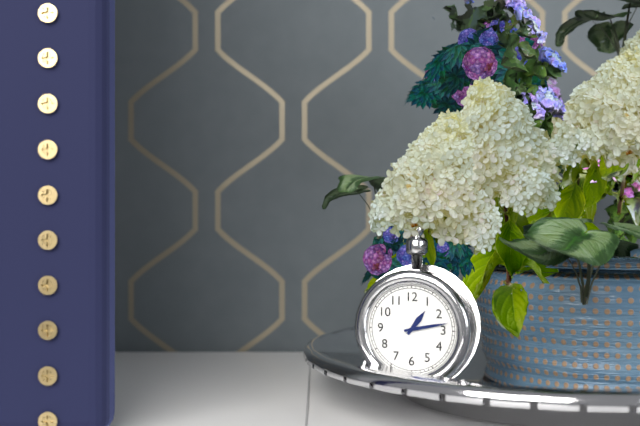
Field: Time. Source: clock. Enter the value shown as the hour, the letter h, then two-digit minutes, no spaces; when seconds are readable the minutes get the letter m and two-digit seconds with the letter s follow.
1h13
